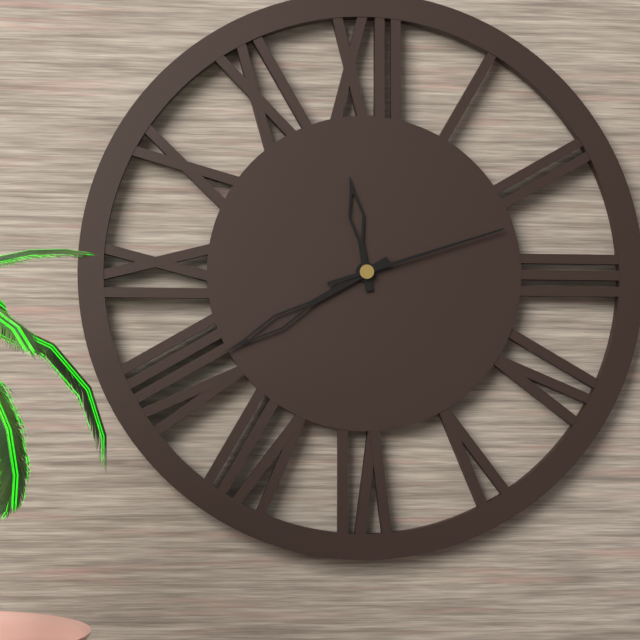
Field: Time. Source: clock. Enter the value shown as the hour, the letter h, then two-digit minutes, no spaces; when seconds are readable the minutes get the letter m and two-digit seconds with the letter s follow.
11h40m12s
